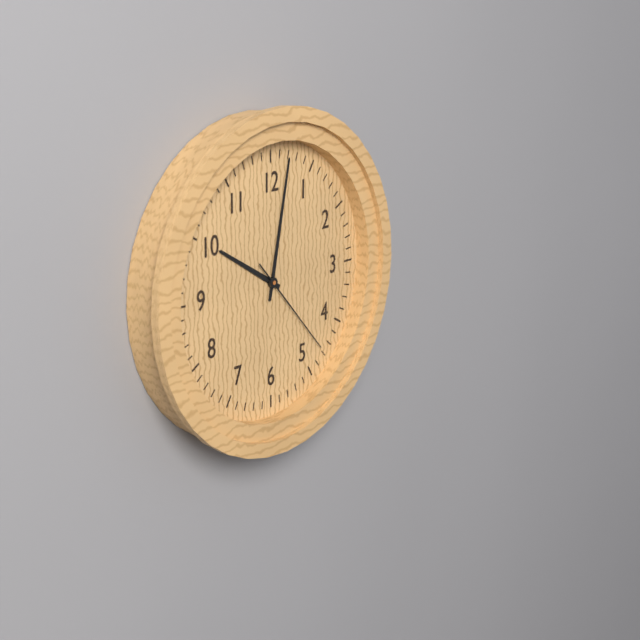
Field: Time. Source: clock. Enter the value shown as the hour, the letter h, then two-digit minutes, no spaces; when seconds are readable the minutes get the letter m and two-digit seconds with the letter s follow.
10h02m23s
